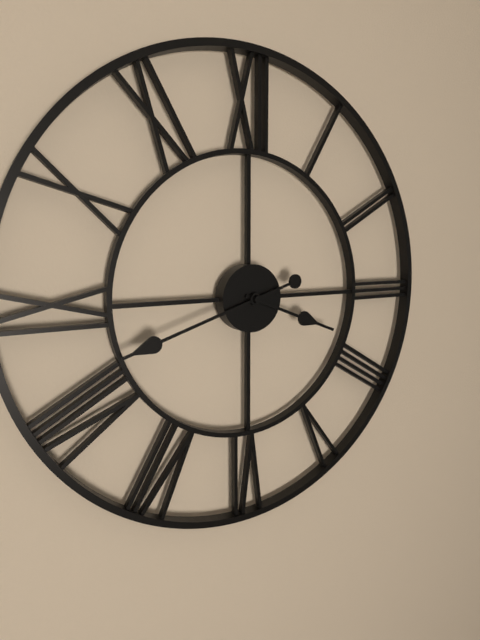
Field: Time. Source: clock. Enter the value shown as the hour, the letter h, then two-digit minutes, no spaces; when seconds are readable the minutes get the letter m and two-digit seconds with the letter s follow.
3h42
